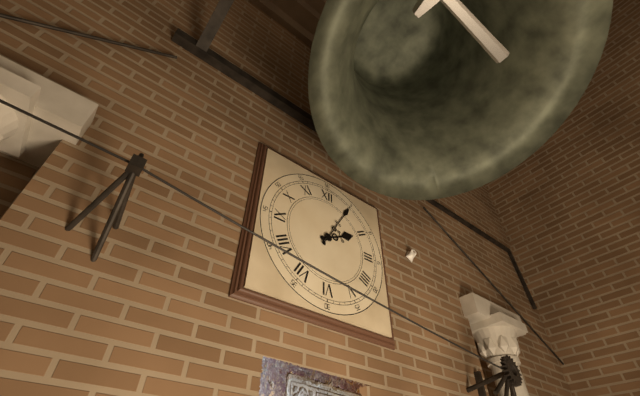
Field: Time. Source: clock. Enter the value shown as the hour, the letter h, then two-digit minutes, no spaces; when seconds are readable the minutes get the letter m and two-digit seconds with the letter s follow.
2h05
